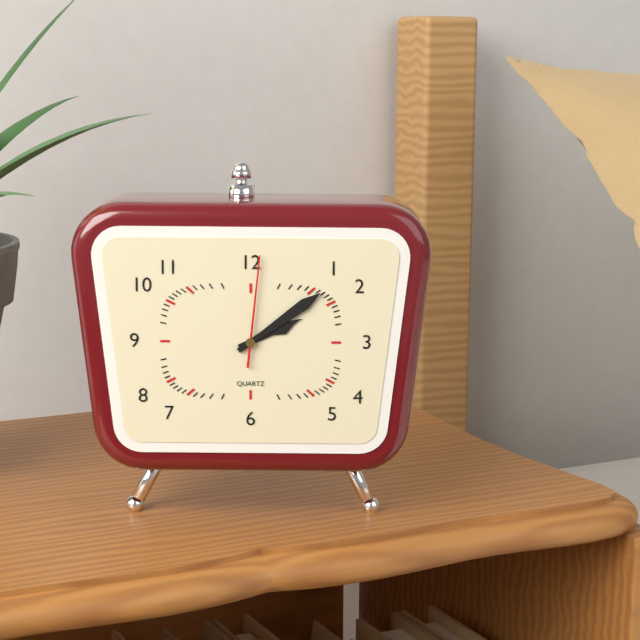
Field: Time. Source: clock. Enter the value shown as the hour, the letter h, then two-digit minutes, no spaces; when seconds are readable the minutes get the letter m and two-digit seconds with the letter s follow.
2h09m01s
